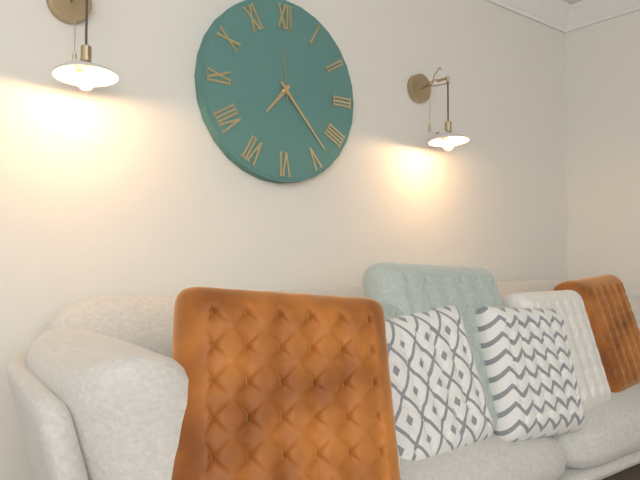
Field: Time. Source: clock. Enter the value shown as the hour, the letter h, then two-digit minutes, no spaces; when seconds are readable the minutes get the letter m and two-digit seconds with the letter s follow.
7h23m59s
